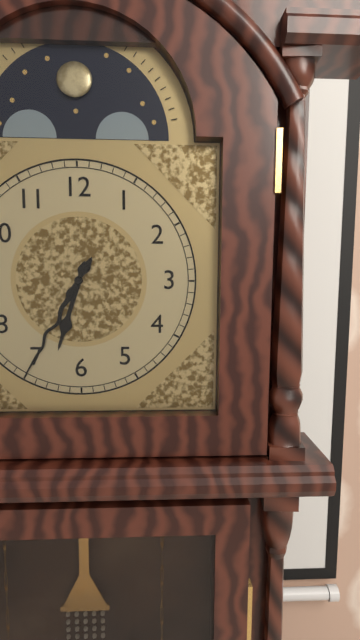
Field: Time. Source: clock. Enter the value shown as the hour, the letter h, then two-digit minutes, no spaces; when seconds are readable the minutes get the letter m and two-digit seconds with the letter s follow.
6h35
